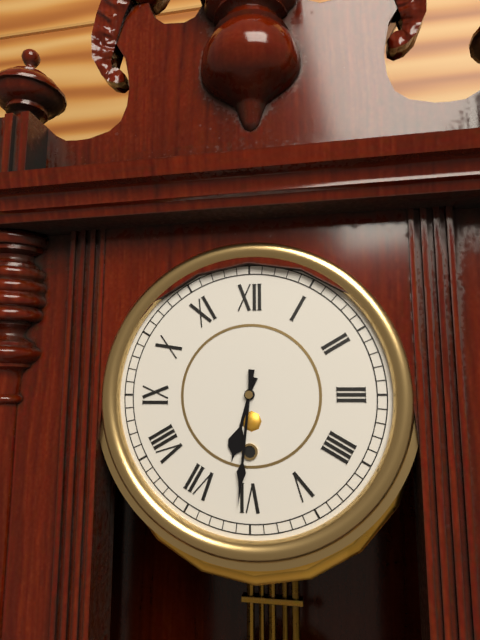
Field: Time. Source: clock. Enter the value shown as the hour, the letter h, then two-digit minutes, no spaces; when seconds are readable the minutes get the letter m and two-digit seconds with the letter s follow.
6h31
